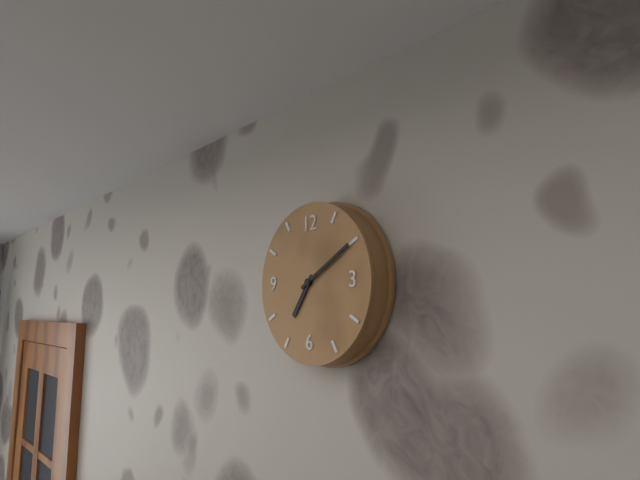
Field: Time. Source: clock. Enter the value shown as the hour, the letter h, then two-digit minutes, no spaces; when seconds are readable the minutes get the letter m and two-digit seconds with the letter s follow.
7h10
